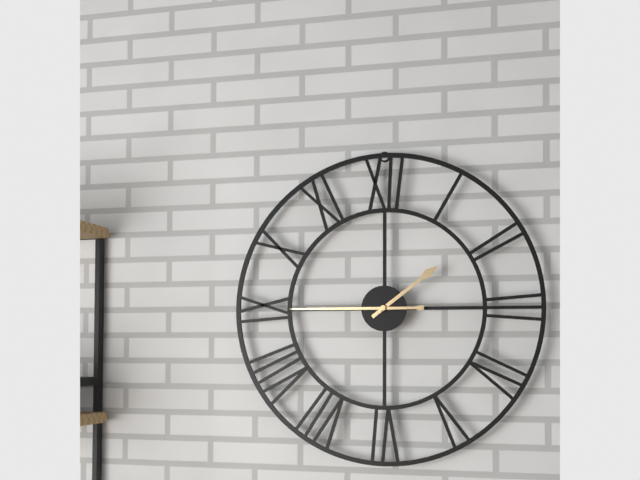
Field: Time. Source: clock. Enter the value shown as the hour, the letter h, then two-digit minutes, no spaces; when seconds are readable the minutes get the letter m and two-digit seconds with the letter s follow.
1h45
